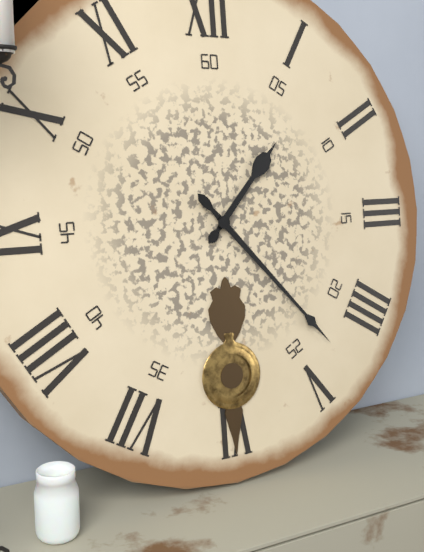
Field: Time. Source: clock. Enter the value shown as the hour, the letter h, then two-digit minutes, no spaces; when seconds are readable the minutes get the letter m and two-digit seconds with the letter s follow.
1h23
